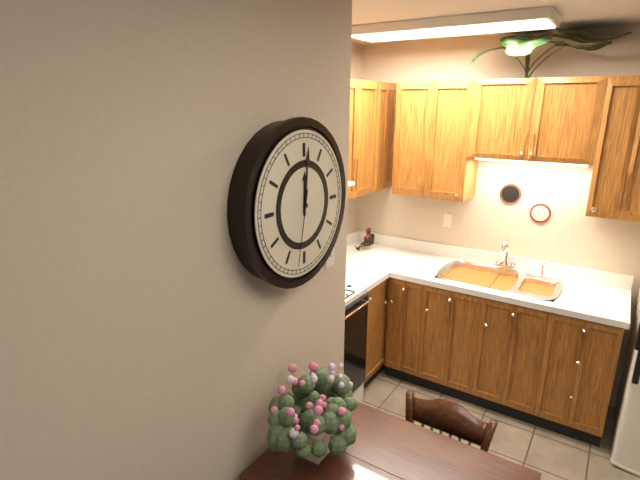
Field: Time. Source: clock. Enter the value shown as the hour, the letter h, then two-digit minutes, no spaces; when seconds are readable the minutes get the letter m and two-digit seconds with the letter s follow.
12h01m32s
